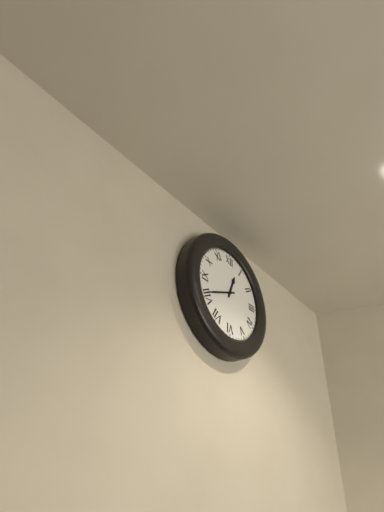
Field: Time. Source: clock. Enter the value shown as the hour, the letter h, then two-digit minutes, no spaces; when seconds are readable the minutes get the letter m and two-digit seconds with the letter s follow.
12h41
